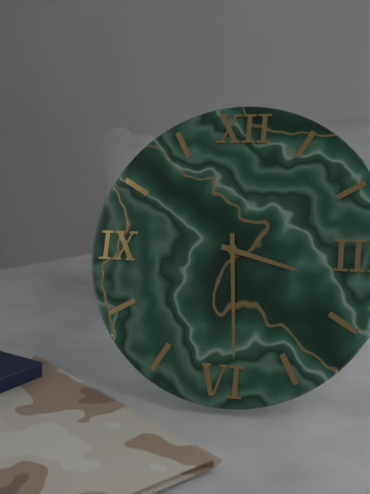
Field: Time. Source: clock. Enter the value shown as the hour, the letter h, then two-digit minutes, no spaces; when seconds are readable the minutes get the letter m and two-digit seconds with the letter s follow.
3h29
